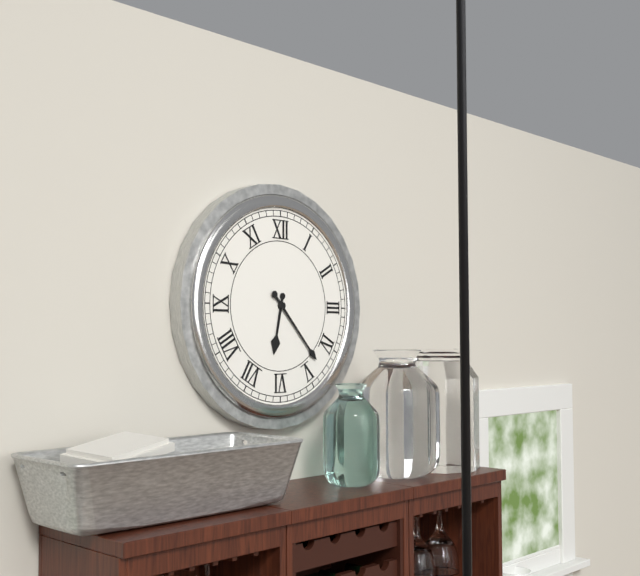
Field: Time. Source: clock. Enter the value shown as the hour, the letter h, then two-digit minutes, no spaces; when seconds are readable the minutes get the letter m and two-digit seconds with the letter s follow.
6h23
